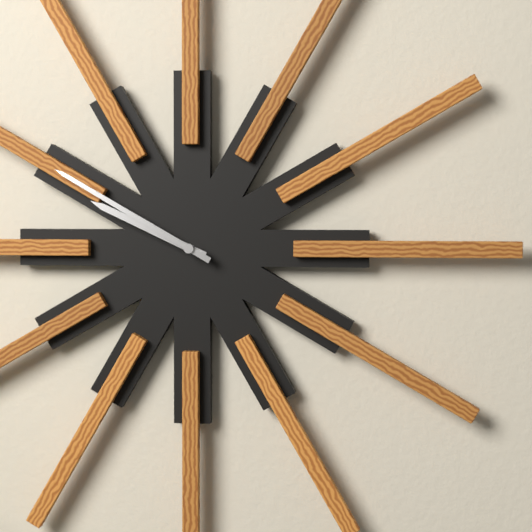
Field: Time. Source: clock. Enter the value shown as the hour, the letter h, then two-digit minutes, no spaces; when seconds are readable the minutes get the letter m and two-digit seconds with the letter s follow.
9h50
